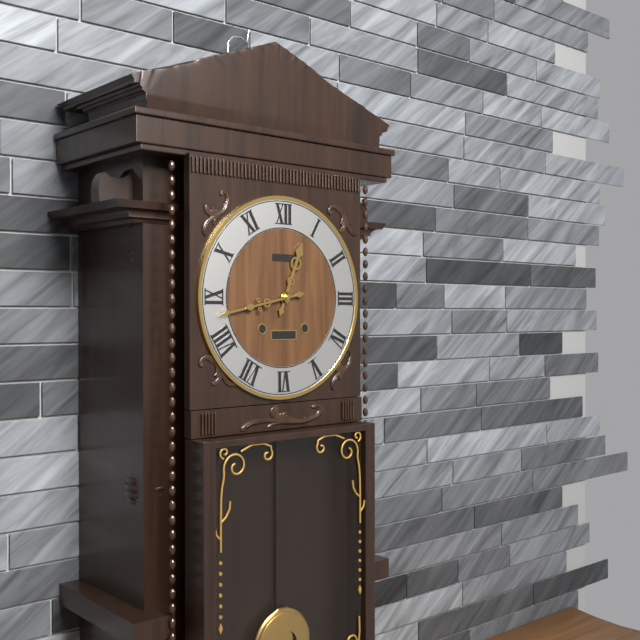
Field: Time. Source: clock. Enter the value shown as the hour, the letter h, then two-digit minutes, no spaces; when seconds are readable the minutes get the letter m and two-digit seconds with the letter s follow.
12h43
